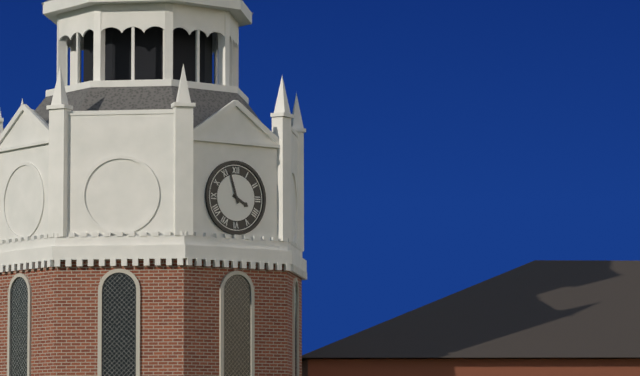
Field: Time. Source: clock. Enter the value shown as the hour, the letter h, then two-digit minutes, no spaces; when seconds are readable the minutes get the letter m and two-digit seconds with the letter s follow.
3h57
